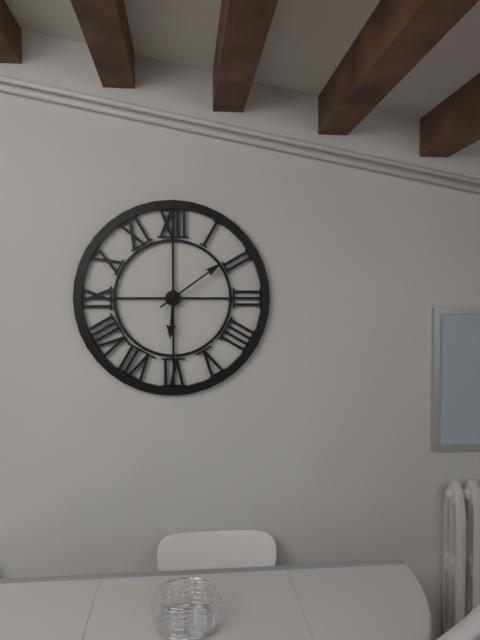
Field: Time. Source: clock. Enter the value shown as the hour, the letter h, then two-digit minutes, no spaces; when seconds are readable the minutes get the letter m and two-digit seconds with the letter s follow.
6h09
